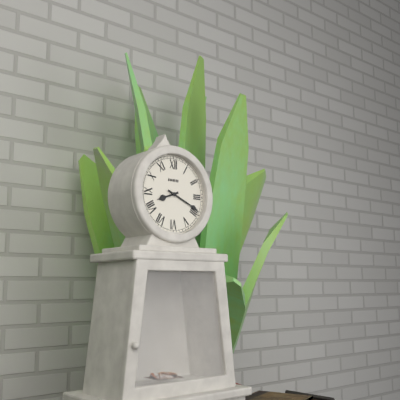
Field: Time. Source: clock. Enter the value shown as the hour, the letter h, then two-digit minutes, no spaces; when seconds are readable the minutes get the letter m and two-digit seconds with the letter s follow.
8h19
